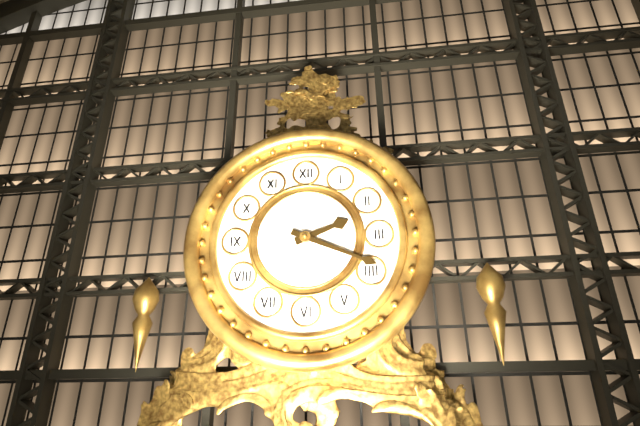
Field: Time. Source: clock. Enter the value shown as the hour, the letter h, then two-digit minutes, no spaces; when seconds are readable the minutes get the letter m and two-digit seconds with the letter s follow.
2h19
